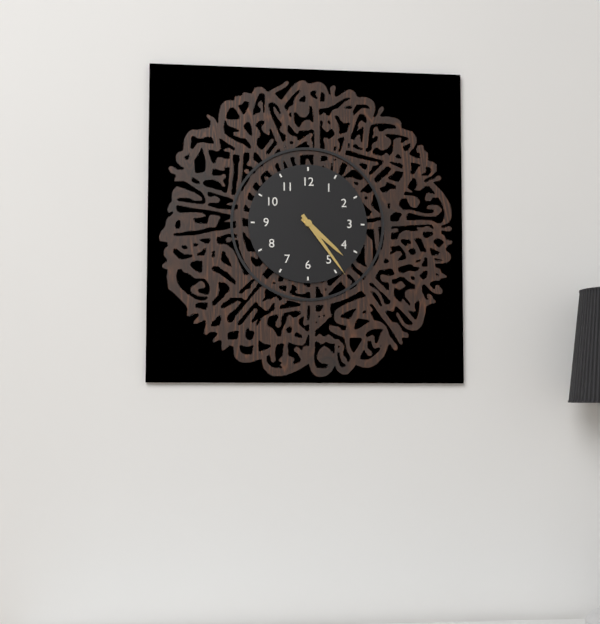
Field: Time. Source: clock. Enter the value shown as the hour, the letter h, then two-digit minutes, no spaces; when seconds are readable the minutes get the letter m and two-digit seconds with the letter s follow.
4h24
